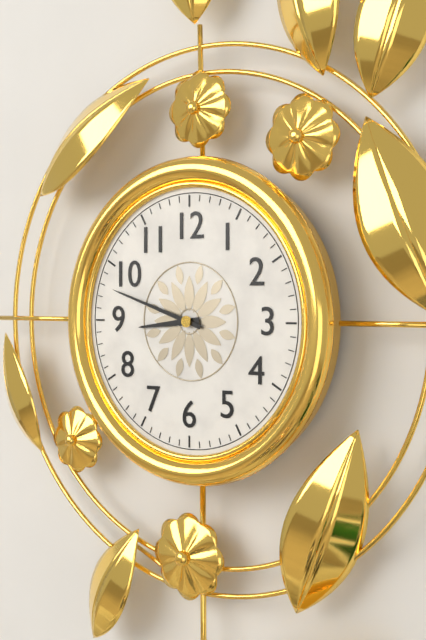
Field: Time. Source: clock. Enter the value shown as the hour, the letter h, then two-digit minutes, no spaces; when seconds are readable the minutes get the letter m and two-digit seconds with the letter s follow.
8h48
